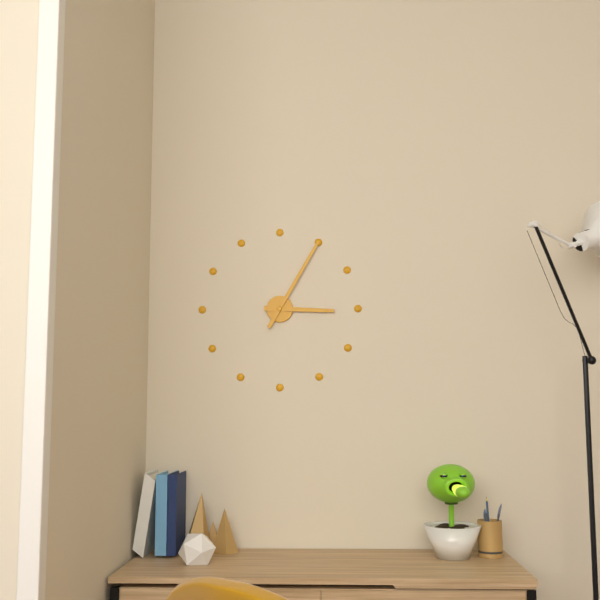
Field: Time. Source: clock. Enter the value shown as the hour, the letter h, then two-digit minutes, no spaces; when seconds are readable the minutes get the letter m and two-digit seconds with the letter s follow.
3h05
